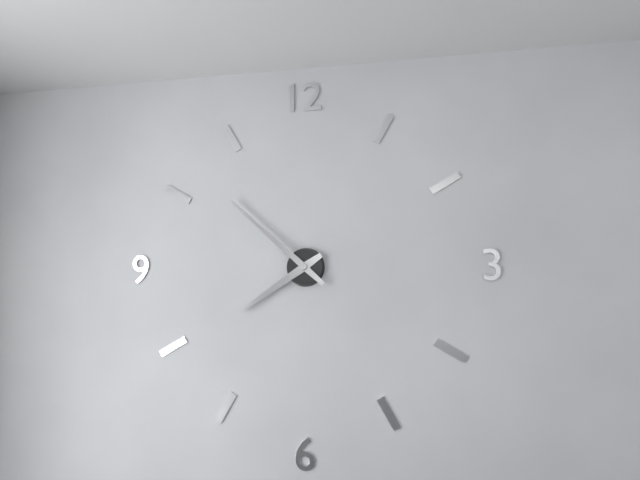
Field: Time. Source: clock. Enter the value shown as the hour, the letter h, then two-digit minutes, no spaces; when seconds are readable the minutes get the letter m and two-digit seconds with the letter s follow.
7h52
